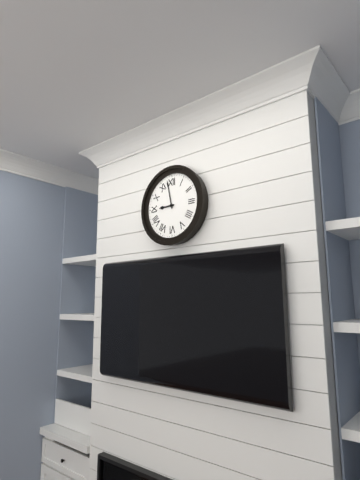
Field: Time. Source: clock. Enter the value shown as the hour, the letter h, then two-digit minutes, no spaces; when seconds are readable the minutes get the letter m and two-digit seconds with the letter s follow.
8h58
